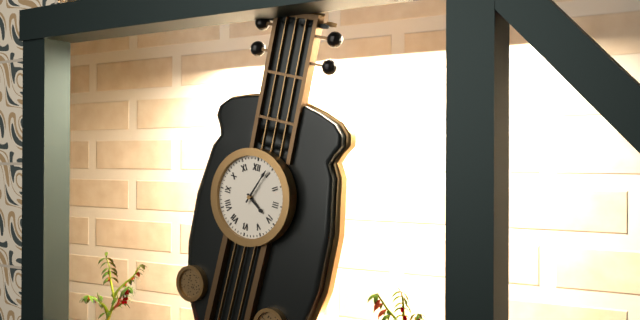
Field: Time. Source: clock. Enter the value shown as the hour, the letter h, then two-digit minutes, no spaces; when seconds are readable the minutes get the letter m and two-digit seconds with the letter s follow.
4h04
